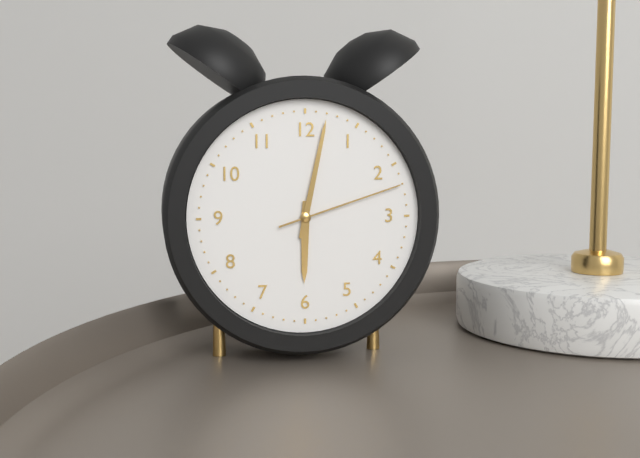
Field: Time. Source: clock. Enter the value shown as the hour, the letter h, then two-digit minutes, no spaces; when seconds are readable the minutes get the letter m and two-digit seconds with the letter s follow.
6h02m12s
